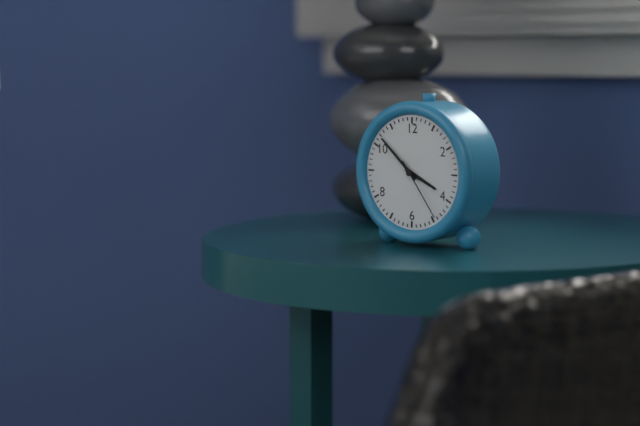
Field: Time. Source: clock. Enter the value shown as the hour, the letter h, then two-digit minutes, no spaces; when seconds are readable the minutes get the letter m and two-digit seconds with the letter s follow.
3h52m24s
